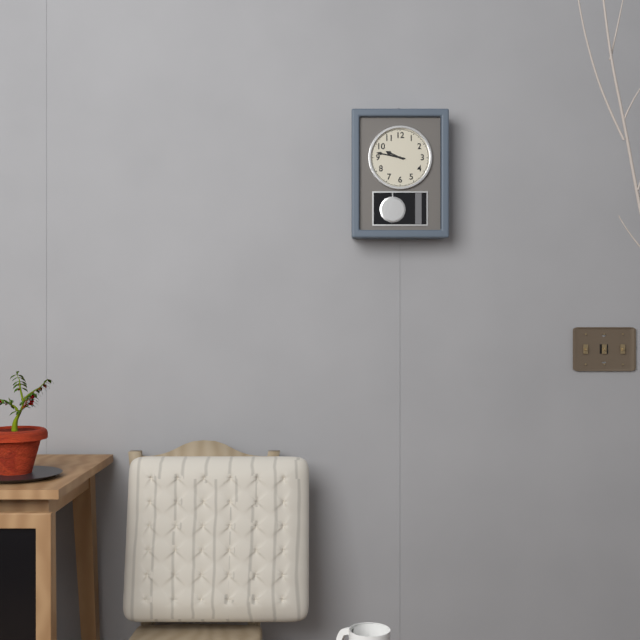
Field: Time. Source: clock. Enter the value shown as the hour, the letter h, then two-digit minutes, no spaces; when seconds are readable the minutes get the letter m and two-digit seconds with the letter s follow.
9h47
